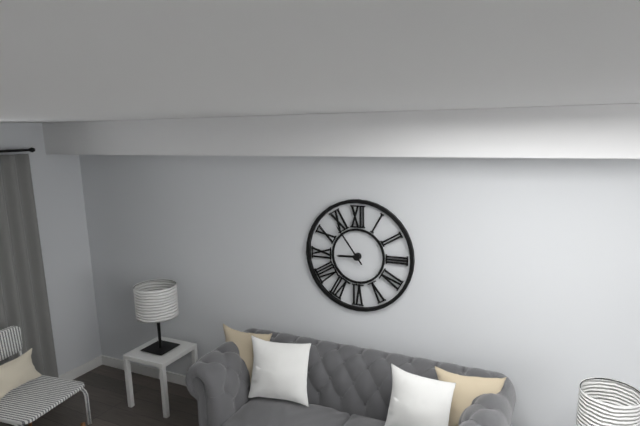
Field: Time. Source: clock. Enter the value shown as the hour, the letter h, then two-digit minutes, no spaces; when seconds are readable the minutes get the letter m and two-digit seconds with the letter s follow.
8h54
